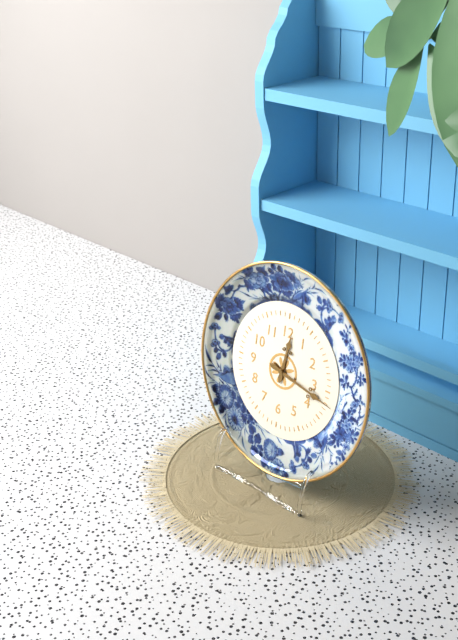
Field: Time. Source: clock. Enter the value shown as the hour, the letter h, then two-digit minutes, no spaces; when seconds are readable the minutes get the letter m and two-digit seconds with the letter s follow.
12h17
